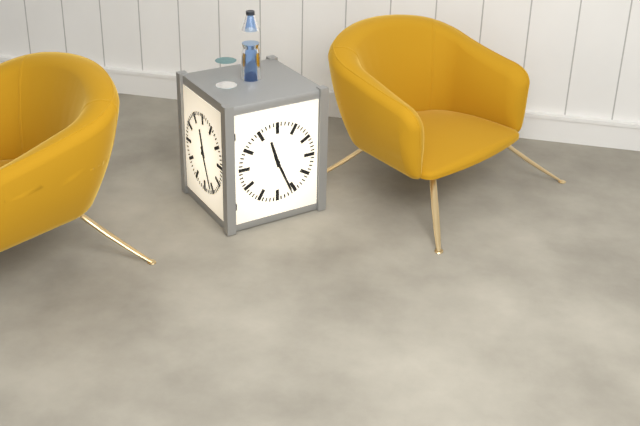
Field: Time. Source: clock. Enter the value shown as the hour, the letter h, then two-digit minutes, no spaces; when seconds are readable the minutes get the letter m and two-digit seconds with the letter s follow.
11h26
